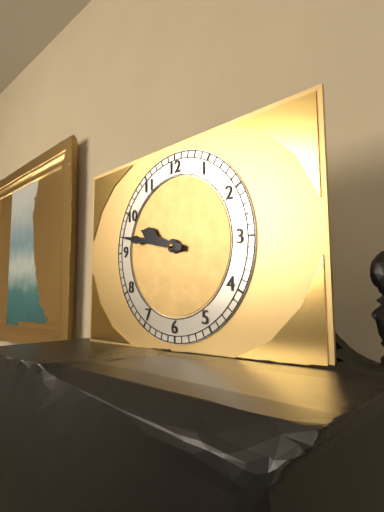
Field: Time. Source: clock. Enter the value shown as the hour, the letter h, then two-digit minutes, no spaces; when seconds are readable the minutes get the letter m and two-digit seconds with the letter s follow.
9h47
